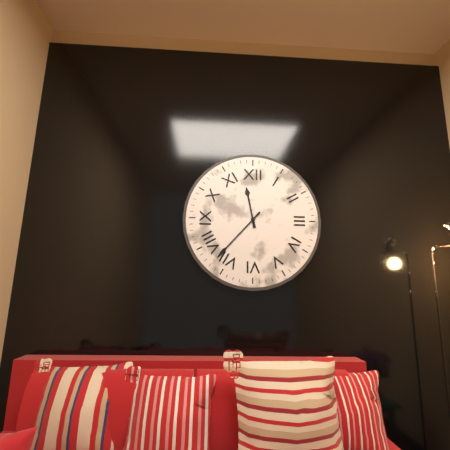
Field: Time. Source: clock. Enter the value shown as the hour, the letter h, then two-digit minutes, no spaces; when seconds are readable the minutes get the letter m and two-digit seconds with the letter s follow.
11h37
